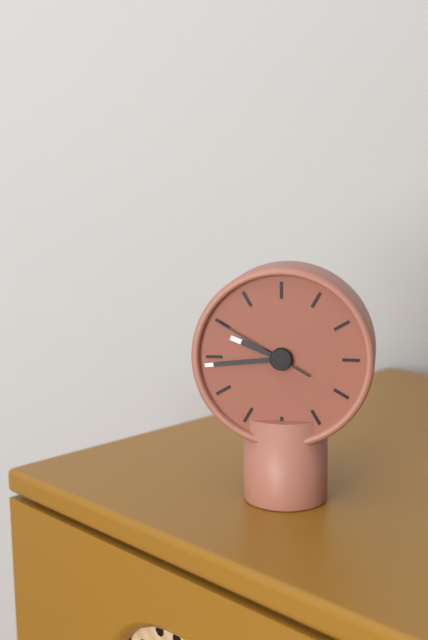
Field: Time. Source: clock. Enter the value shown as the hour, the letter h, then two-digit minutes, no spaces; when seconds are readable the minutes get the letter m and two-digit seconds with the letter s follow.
9h44m50s
